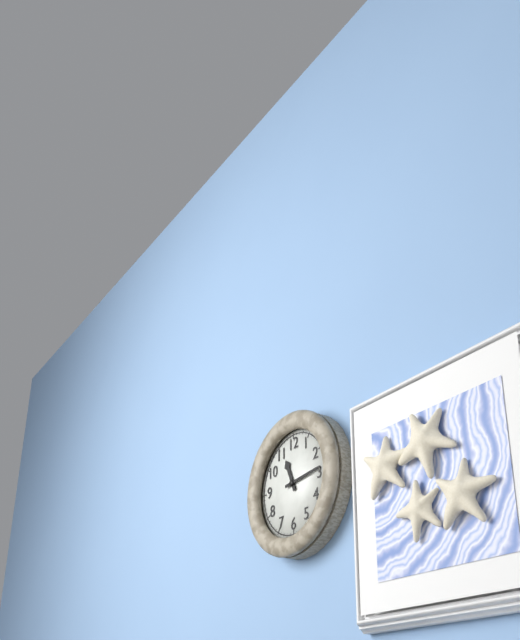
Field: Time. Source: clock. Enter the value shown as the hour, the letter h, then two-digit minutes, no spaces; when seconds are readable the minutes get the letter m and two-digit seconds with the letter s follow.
11h14
